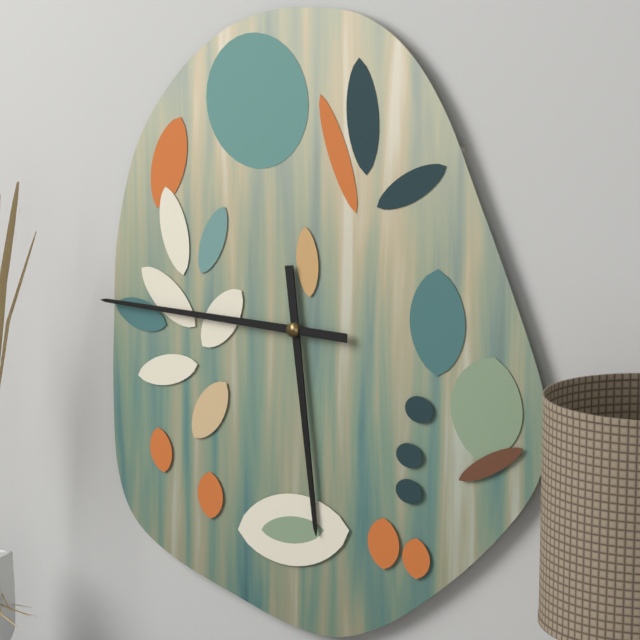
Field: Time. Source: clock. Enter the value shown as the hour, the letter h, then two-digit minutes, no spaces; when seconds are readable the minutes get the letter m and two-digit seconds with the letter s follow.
5h45
